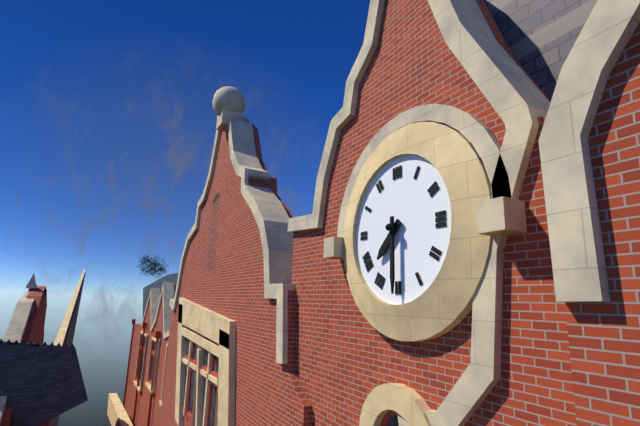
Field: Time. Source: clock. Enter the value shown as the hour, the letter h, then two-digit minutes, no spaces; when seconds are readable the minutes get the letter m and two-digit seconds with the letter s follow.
7h30
